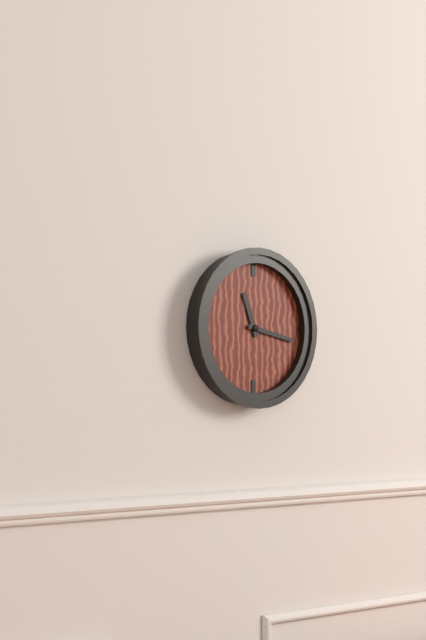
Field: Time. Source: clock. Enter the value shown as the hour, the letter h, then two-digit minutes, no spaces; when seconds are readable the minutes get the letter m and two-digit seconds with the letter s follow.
11h17
